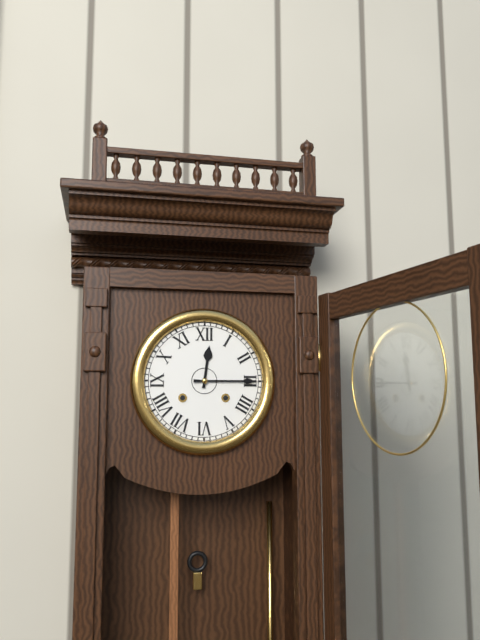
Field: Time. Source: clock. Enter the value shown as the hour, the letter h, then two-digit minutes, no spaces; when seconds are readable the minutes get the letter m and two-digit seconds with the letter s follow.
12h15
